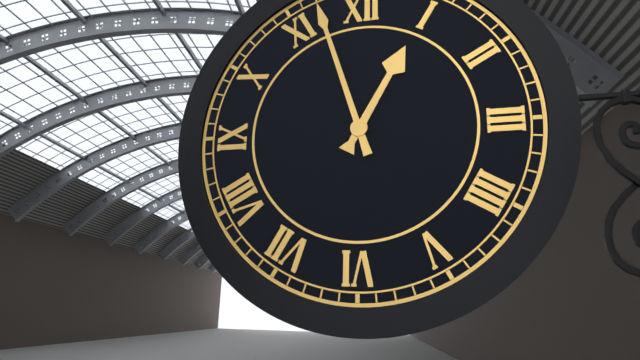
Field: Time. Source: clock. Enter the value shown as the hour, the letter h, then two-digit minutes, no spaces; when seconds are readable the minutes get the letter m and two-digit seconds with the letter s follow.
12h57
